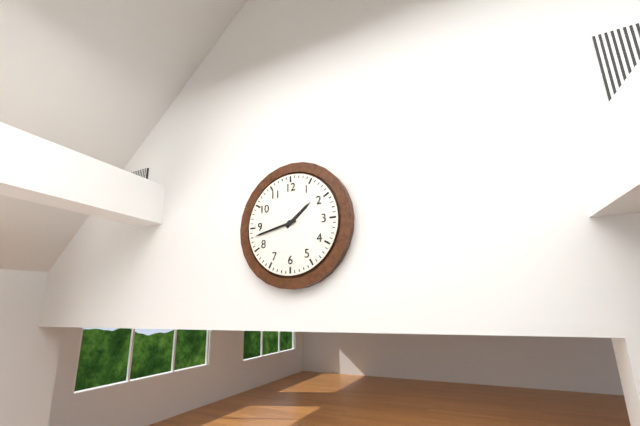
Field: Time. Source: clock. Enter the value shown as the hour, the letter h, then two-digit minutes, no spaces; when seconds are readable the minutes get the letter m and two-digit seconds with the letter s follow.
1h43
